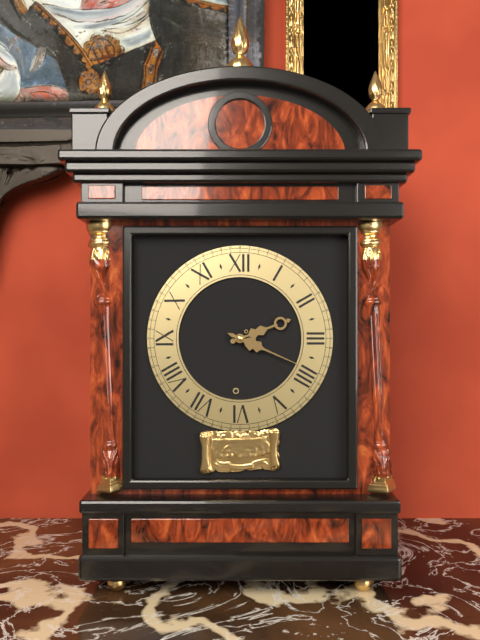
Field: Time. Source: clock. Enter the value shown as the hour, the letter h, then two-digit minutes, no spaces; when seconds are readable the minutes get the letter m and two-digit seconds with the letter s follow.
2h19
